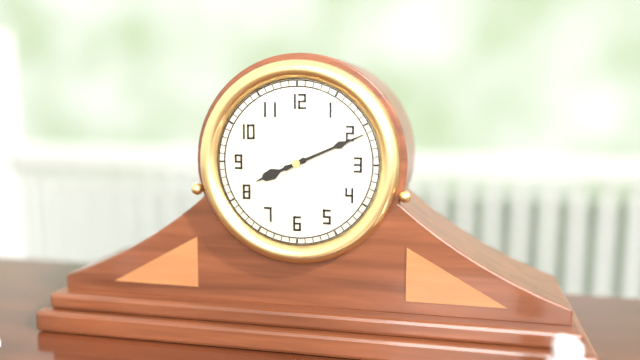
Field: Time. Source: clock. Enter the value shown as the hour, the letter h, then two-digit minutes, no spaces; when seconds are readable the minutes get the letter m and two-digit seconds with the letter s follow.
8h11
